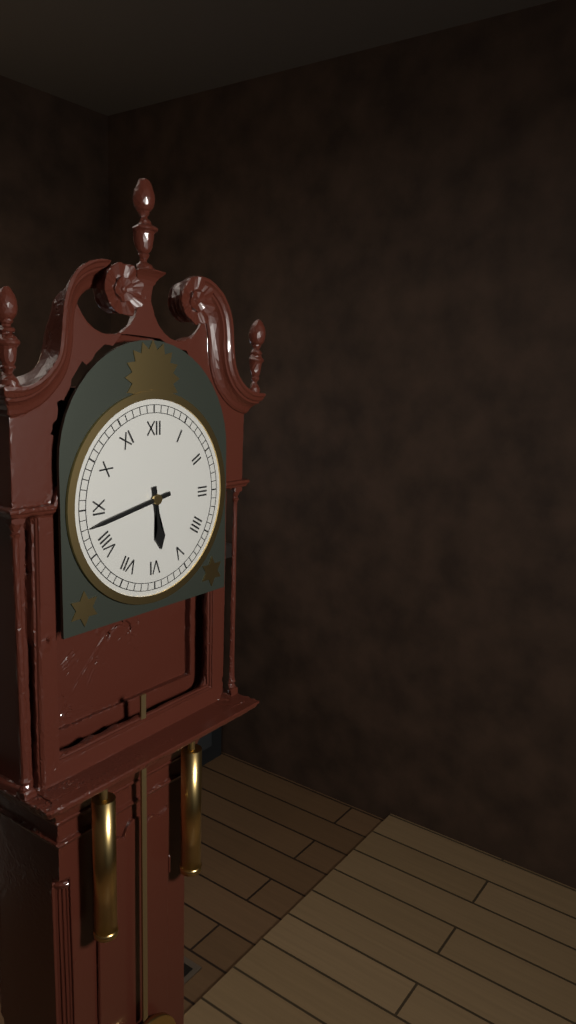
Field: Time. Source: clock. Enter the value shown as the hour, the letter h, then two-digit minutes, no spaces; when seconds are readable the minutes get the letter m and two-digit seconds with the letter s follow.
5h43
